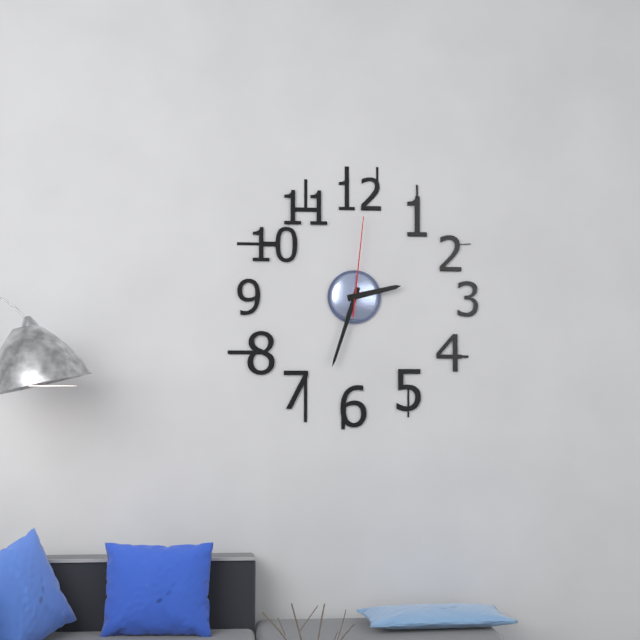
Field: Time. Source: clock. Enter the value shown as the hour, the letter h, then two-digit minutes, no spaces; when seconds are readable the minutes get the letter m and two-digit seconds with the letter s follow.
2h33m01s
